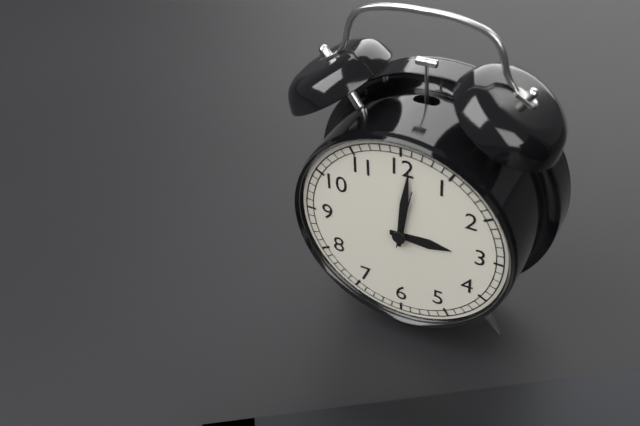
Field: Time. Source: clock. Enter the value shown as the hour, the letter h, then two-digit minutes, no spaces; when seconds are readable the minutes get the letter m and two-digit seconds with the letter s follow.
3h01m02s
